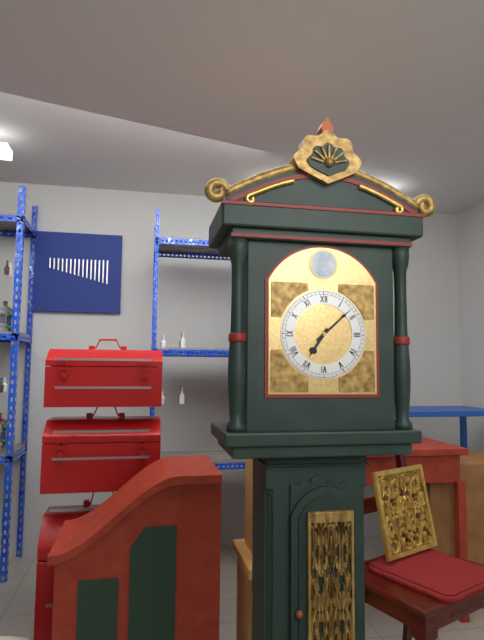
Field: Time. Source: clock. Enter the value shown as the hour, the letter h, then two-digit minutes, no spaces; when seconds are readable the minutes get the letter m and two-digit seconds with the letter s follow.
7h08
